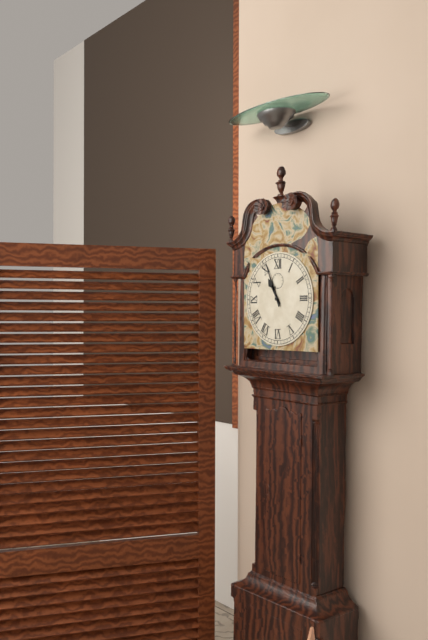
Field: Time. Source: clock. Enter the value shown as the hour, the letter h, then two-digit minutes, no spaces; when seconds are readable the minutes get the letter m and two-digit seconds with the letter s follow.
10h56
